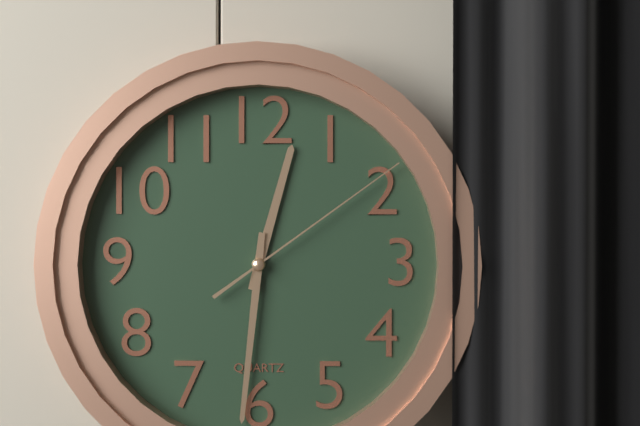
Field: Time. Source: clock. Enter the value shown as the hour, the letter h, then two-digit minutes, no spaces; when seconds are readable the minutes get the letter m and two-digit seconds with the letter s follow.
12h31m09s
